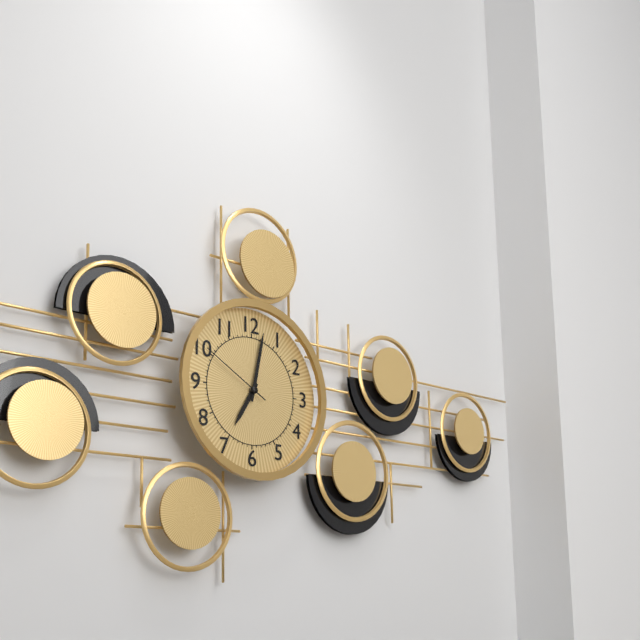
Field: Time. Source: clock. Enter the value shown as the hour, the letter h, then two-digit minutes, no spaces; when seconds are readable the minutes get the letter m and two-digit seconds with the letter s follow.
7h02m50s
